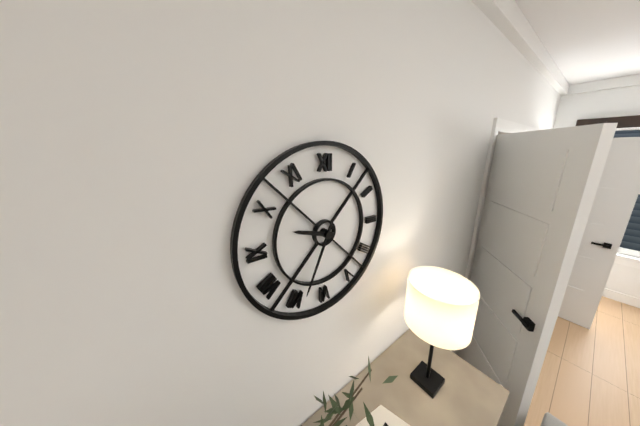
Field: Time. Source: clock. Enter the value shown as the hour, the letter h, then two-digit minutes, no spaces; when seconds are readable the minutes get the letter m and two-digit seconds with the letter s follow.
9h34
